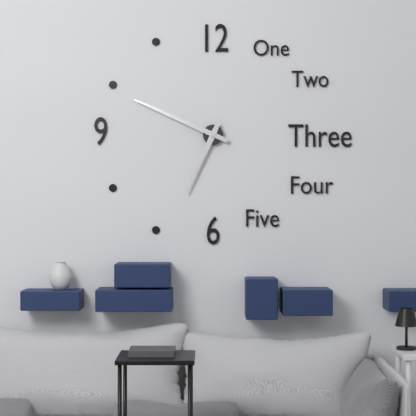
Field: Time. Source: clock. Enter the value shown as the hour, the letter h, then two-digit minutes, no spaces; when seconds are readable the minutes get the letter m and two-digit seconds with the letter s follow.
6h49
